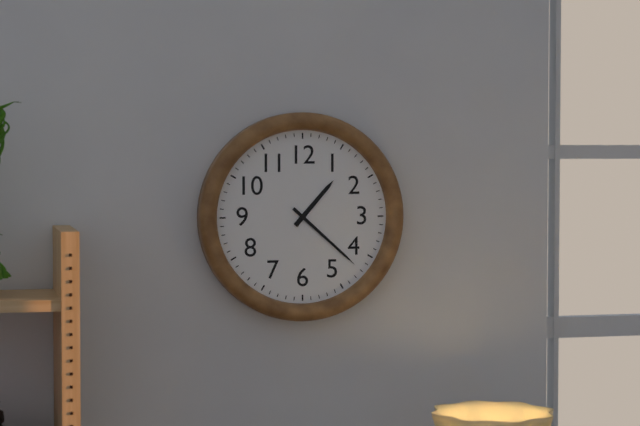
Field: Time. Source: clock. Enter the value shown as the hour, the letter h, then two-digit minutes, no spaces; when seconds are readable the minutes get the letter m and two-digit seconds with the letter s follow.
1h22
